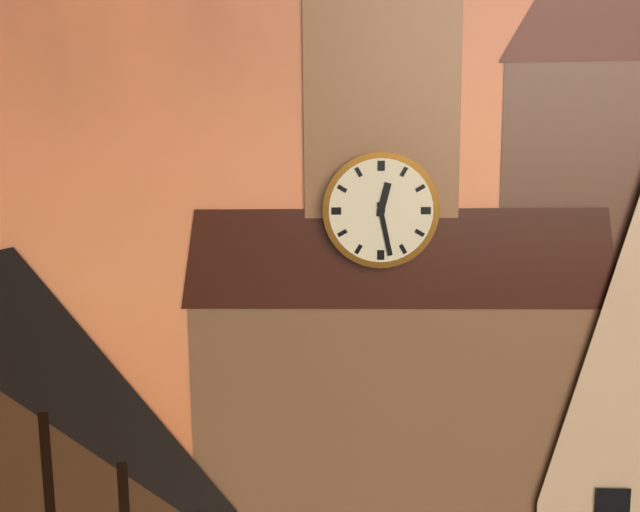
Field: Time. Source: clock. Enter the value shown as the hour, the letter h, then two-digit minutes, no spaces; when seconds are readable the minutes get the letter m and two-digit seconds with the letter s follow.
12h28
